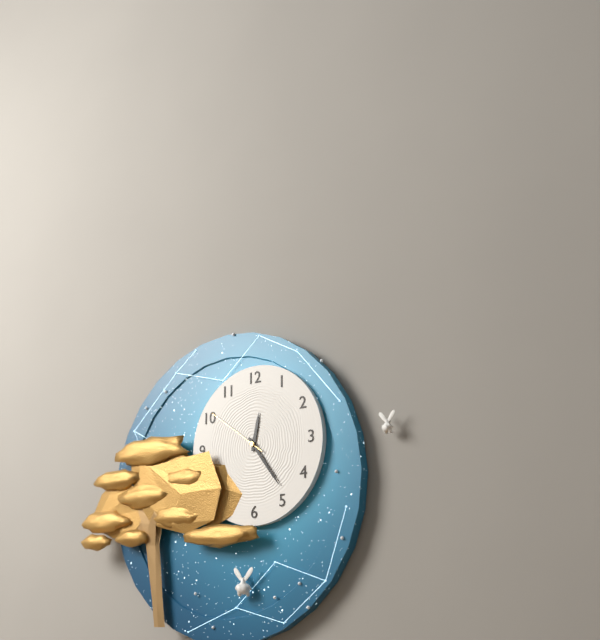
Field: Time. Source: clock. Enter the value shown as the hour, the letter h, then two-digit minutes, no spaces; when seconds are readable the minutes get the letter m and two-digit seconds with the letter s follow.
12h24m51s
